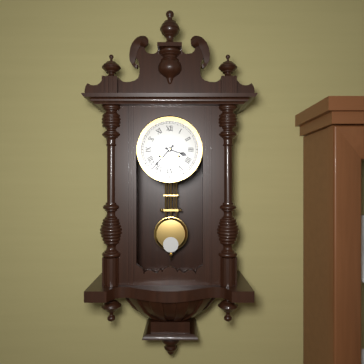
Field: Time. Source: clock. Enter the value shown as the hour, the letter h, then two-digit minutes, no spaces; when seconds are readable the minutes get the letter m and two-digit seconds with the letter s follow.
3h37
